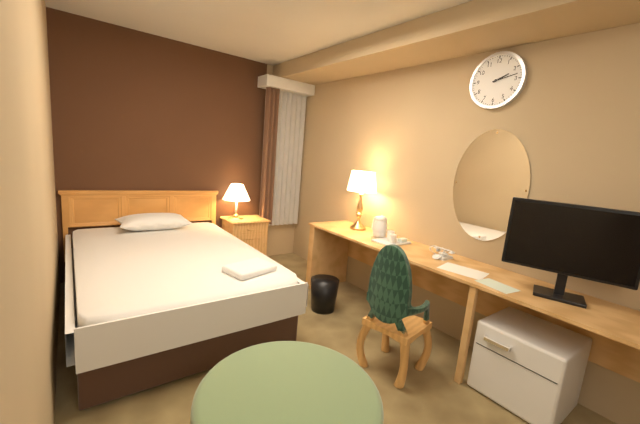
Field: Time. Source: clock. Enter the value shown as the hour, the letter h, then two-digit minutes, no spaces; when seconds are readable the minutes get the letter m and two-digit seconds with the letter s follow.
2h13
